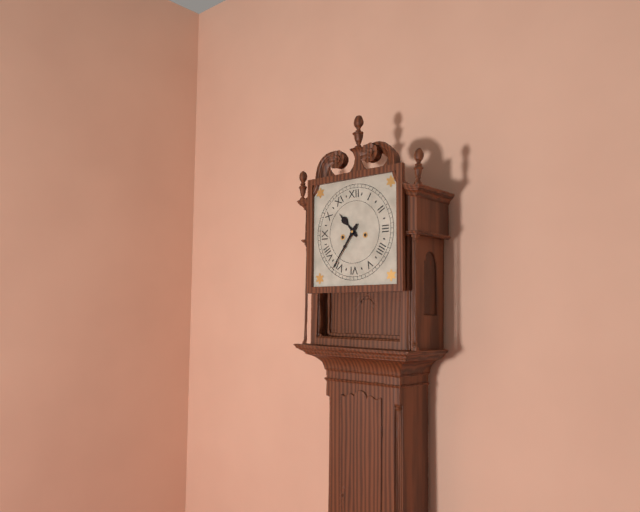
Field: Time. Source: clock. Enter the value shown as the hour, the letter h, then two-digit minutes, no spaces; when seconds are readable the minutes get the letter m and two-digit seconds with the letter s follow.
10h36
